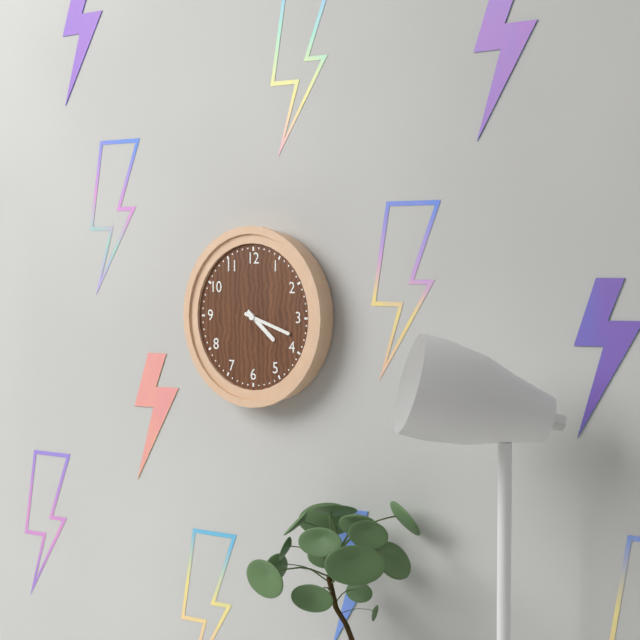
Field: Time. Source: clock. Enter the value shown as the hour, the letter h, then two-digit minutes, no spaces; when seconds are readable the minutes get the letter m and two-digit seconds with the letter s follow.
4h18
